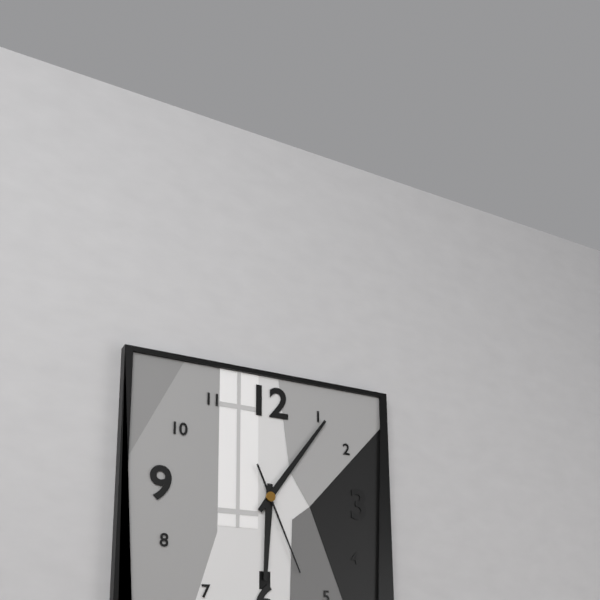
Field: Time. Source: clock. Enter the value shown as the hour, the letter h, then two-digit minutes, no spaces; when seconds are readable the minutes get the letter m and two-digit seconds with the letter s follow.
6h06m26s
